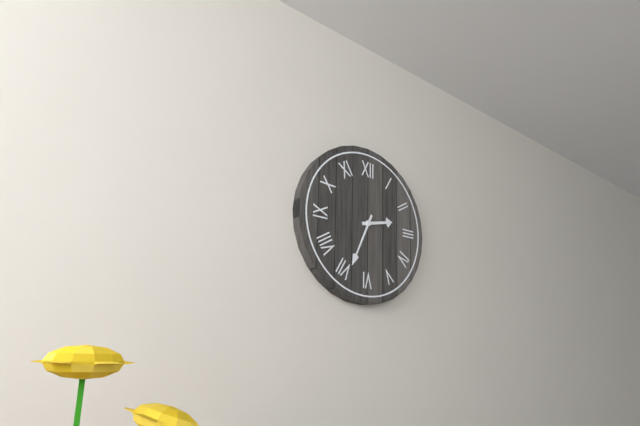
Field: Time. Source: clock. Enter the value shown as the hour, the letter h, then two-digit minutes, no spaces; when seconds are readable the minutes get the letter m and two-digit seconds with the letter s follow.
2h34
